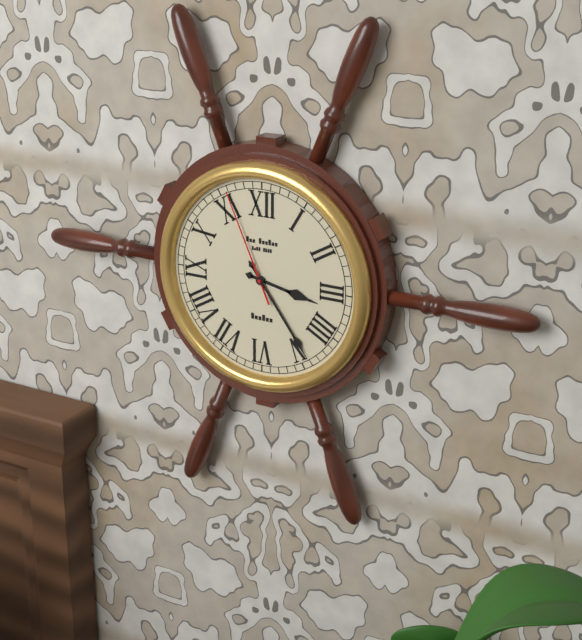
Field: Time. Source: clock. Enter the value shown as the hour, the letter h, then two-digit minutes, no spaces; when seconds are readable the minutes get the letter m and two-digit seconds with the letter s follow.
3h24m56s
